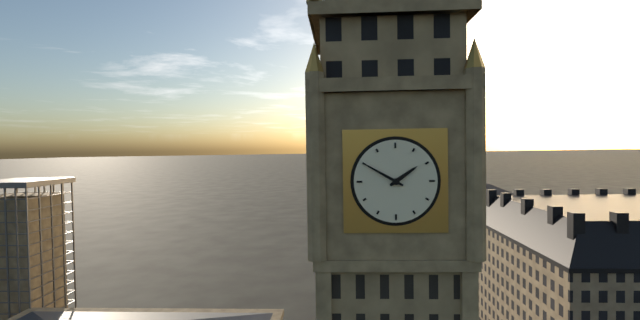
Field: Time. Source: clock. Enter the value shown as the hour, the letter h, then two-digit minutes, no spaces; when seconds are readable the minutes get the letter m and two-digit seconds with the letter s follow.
1h50
